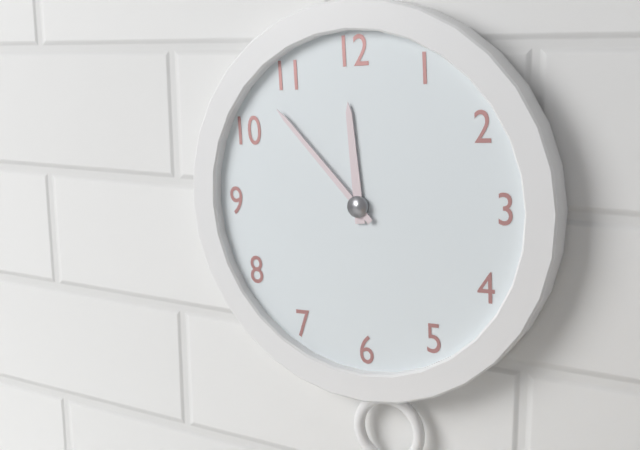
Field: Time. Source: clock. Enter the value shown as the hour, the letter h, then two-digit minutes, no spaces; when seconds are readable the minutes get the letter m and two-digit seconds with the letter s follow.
11h53
